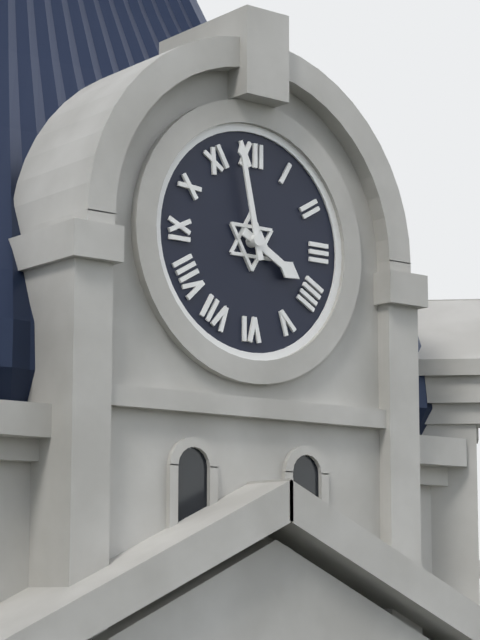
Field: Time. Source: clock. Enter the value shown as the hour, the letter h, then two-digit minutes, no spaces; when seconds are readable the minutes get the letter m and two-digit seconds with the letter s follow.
3h58
